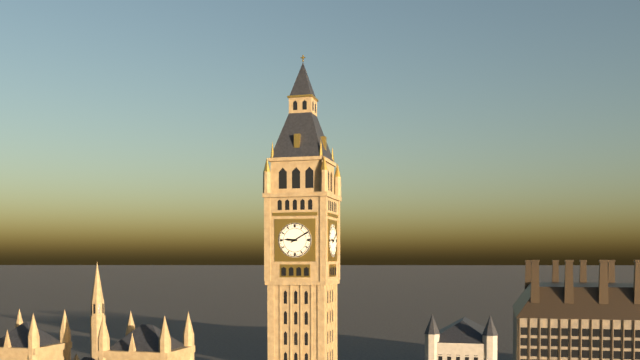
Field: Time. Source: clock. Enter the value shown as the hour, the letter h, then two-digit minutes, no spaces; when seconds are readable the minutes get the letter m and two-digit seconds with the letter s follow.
9h10
